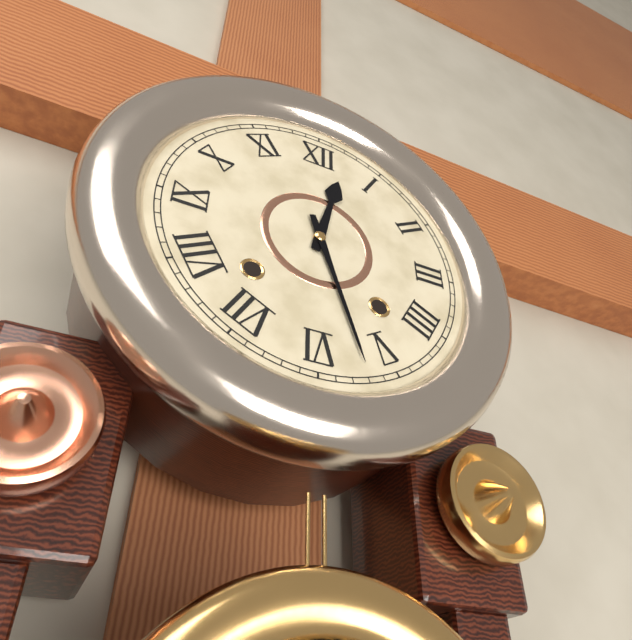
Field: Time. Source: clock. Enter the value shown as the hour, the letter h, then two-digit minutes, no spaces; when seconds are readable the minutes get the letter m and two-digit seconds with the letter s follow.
12h27
